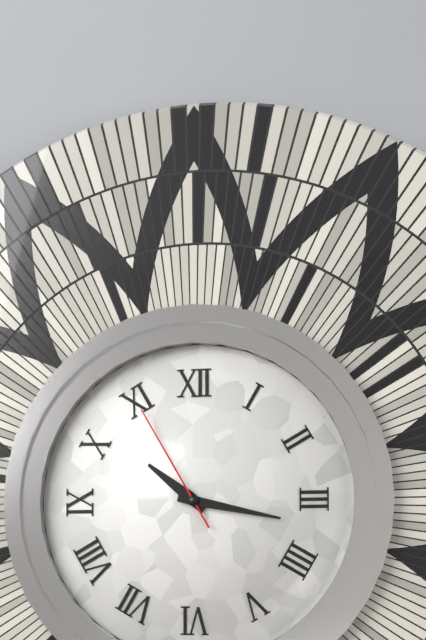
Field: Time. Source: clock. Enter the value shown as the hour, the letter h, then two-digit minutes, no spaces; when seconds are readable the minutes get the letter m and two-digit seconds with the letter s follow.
10h17m55s
